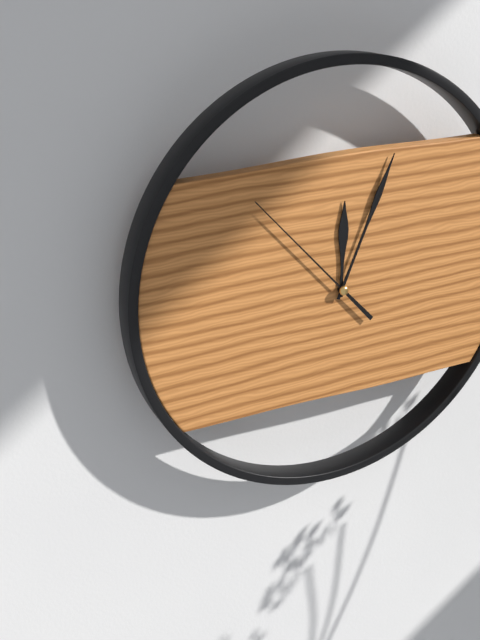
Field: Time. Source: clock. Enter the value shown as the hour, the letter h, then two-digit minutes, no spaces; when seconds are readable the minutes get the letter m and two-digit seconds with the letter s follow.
12h04m53s
